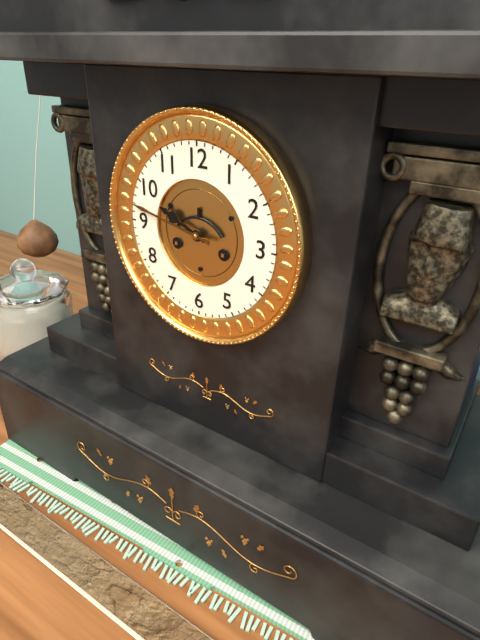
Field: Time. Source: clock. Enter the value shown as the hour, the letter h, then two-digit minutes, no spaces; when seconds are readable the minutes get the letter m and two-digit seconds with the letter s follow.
9h47
